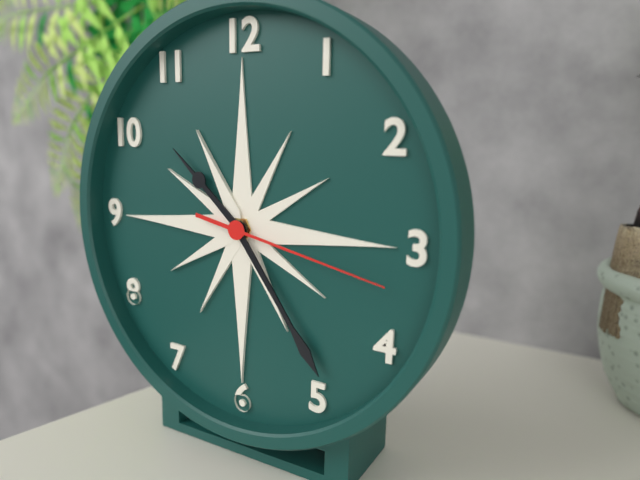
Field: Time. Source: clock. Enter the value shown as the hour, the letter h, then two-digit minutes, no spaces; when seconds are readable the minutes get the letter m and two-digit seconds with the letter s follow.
10h24m17s
